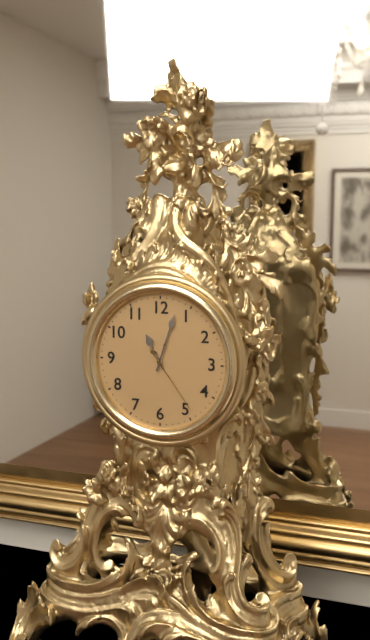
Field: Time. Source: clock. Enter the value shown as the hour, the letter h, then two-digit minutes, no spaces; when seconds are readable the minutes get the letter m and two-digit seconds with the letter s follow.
11h03m24s
